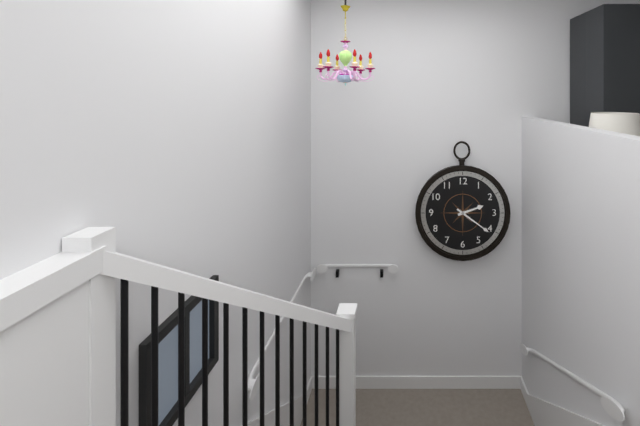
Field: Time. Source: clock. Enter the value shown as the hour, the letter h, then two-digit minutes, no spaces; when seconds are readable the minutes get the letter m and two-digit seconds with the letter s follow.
2h21
